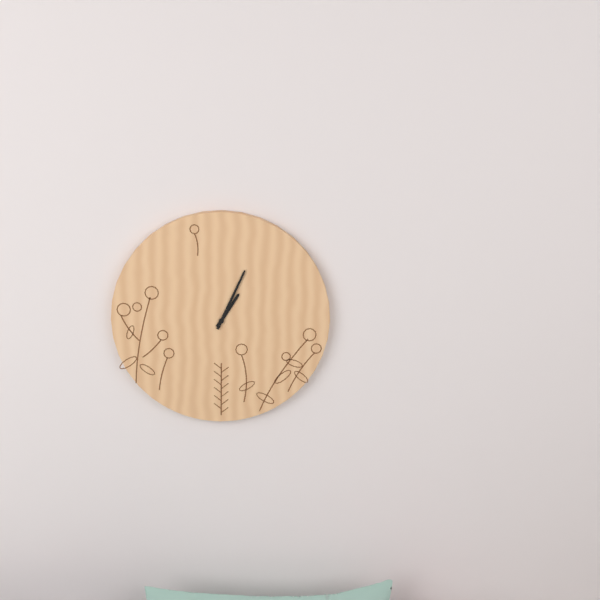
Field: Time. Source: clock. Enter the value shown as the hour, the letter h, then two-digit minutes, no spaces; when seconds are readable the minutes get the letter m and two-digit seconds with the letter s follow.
1h04
